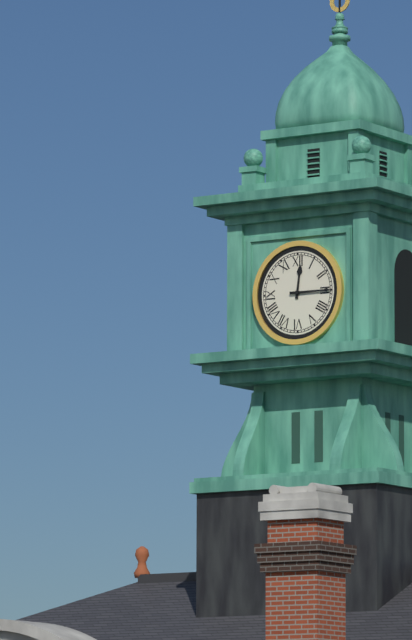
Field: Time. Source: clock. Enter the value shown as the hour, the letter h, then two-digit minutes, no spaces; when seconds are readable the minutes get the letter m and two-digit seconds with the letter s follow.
12h15
